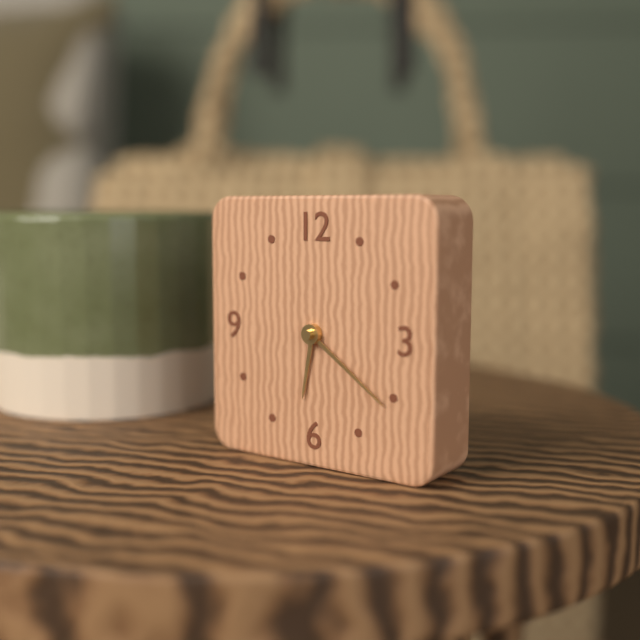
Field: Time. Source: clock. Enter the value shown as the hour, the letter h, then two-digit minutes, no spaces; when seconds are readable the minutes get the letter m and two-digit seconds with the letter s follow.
6h21
